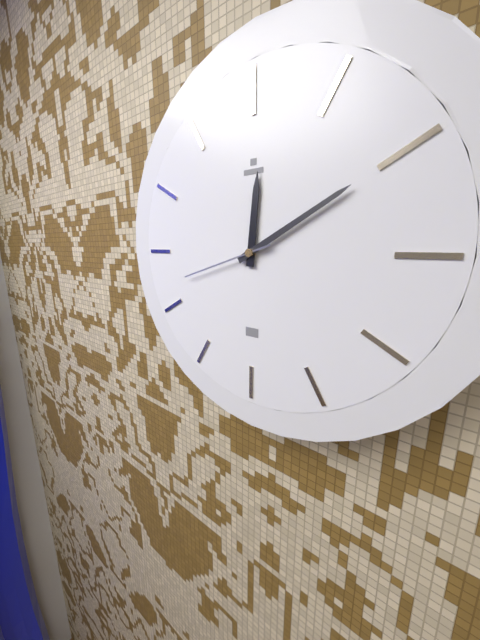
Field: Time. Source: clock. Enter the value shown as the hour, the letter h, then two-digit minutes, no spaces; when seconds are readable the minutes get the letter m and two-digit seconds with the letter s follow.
12h10m42s
